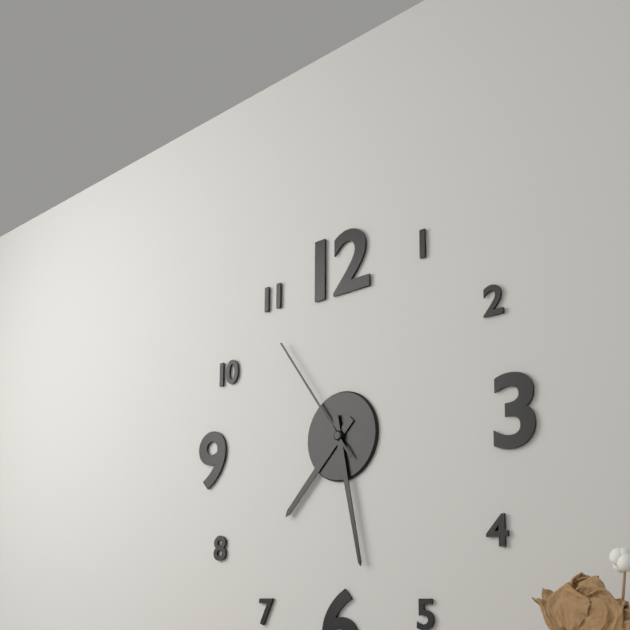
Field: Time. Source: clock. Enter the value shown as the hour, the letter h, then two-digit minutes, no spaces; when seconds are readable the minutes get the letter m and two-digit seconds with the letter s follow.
7h28m54s
